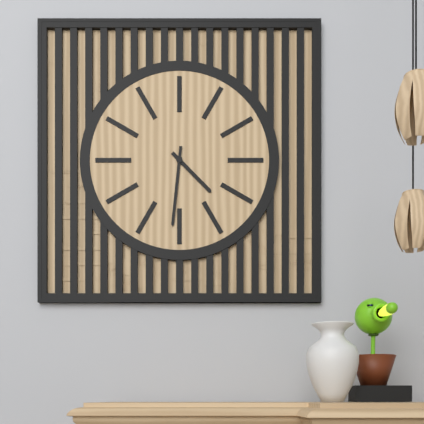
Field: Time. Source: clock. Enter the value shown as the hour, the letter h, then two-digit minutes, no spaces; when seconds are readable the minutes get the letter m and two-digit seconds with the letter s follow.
4h31
